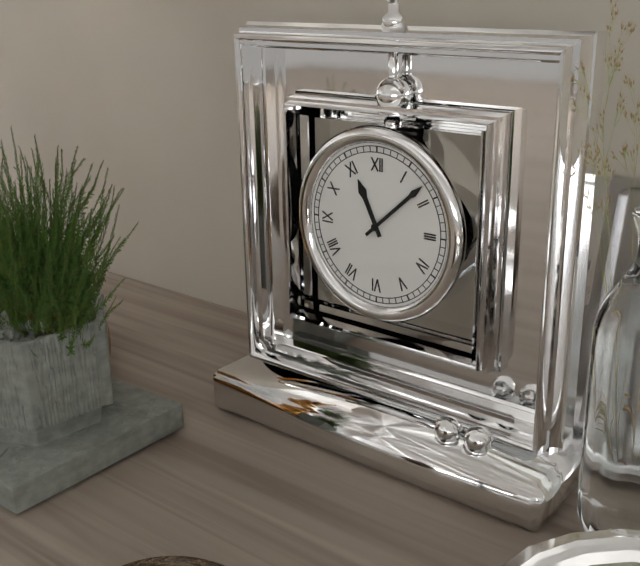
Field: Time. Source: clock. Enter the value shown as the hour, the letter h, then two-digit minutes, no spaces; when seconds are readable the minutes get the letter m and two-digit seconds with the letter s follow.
11h08
